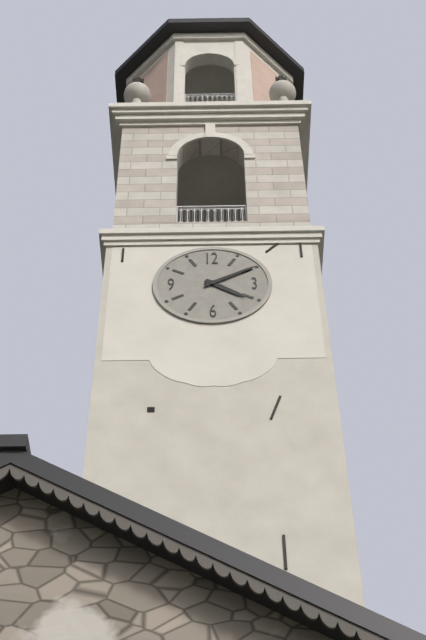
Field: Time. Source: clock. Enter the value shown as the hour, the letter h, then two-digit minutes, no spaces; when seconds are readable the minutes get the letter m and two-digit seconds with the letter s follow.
4h10
